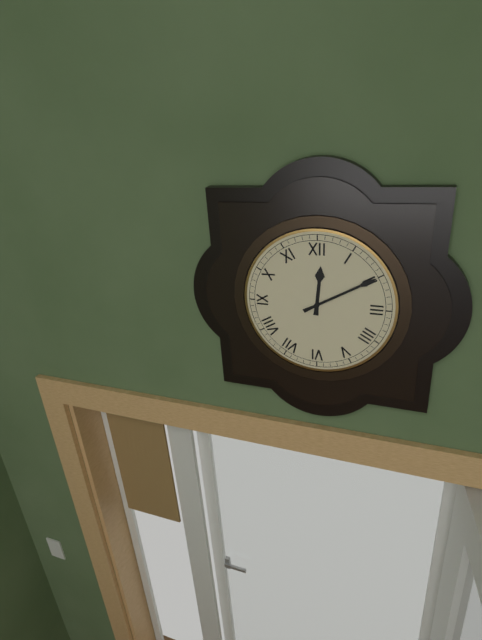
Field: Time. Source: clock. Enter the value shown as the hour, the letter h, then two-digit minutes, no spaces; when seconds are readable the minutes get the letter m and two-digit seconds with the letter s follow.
12h10
